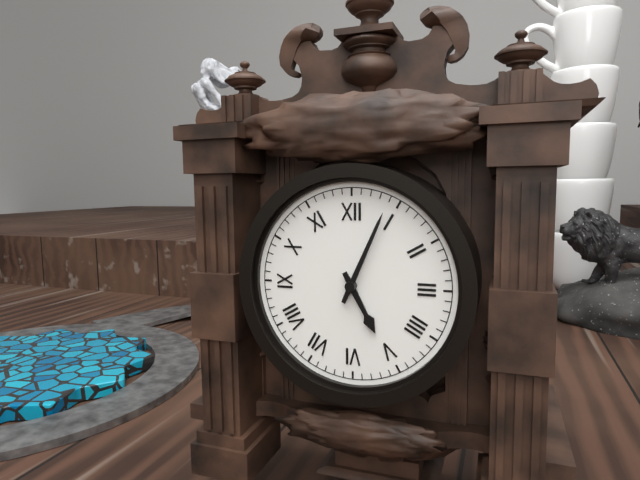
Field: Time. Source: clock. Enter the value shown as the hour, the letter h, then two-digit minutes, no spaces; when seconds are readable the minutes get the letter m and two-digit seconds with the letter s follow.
5h04
